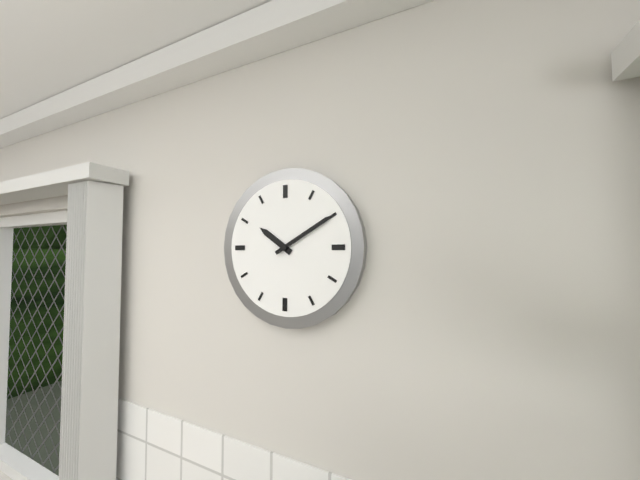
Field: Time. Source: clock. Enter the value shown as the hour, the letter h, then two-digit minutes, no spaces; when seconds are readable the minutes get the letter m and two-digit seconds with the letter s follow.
10h10
